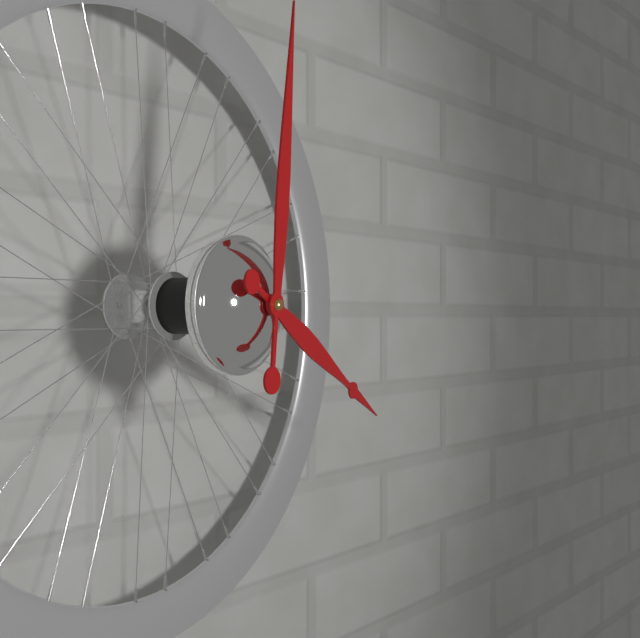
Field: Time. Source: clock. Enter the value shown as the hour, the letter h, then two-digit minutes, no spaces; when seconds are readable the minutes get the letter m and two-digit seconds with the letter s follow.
4h01
